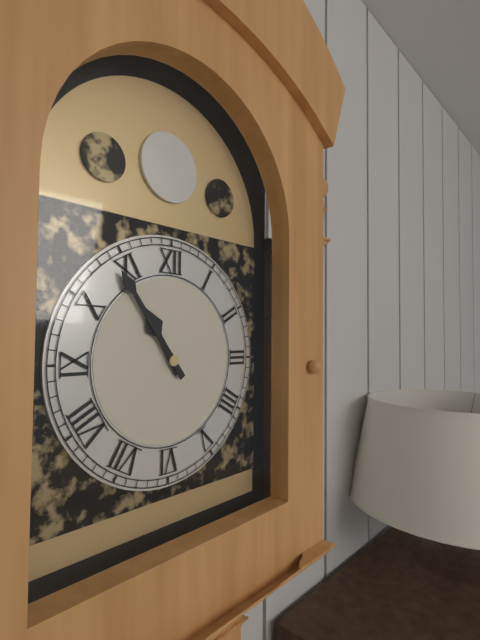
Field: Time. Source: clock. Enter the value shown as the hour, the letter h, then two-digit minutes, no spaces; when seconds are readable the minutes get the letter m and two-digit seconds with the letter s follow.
10h54
